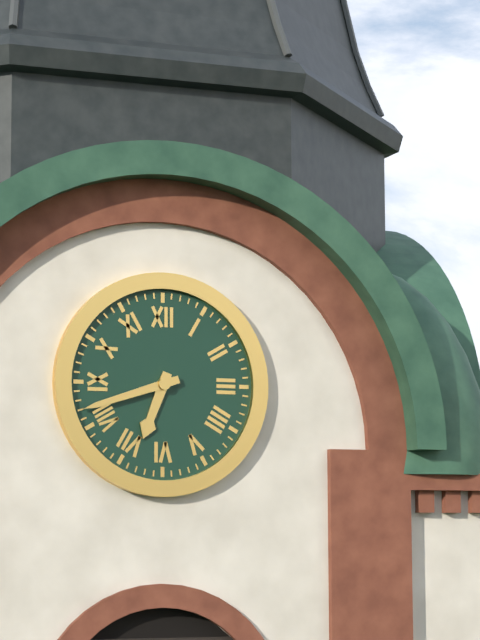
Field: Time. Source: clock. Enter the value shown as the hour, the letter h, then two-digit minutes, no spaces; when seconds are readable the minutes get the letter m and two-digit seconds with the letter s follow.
6h42
